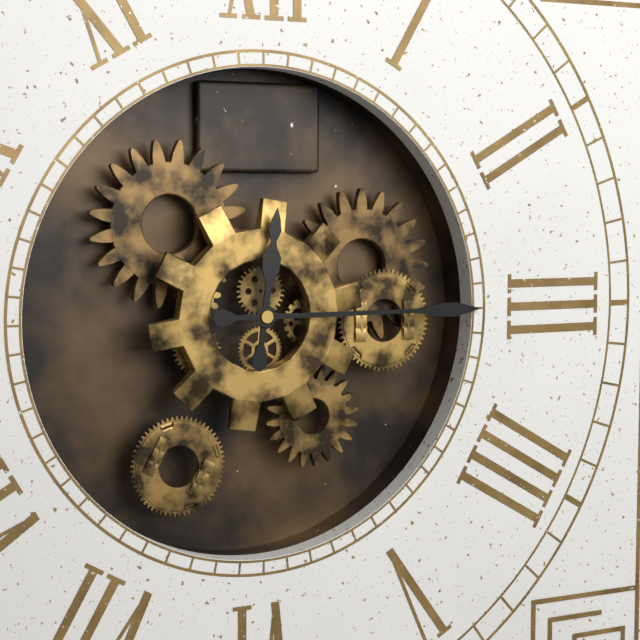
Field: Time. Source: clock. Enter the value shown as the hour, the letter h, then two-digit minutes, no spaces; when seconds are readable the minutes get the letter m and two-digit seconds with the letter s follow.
12h15
